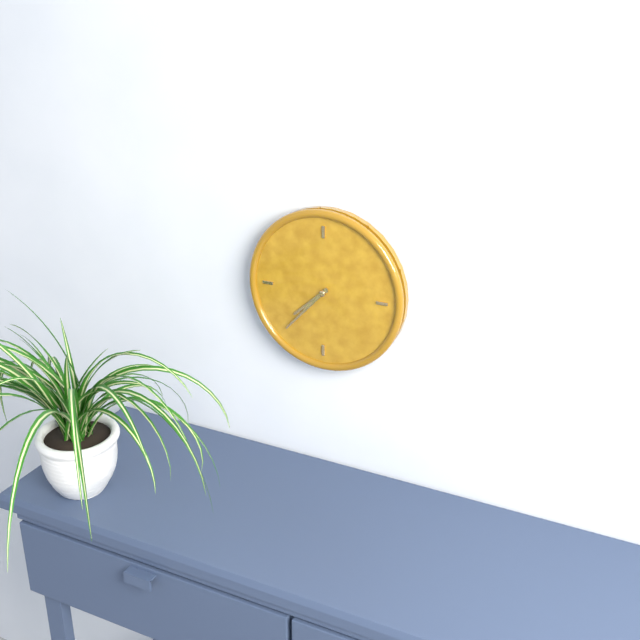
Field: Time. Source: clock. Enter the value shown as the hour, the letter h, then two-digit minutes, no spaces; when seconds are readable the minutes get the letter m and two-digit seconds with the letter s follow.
7h37
